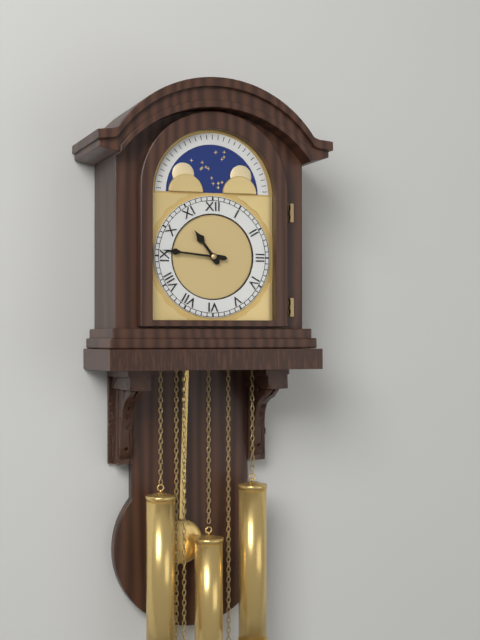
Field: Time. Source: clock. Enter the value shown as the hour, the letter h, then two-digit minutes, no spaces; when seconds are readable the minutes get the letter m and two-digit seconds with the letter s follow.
10h46
